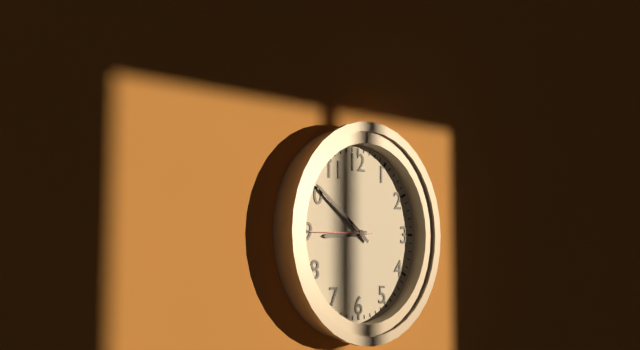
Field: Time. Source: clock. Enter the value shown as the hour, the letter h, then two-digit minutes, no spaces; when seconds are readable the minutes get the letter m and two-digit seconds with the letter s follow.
8h51m45s
